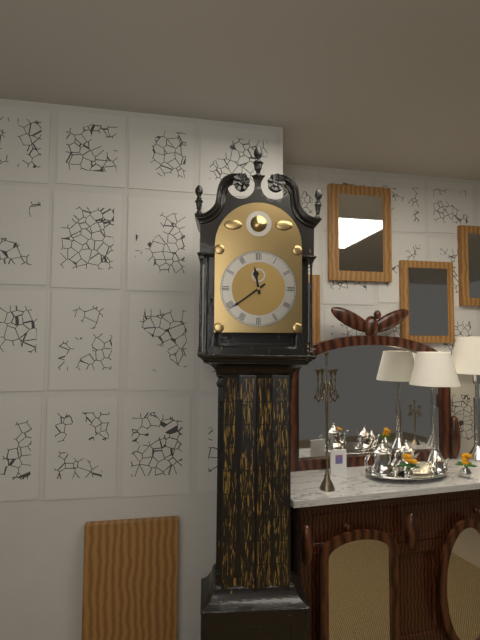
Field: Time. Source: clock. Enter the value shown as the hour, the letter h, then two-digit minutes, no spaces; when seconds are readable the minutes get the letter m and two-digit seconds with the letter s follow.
11h39
